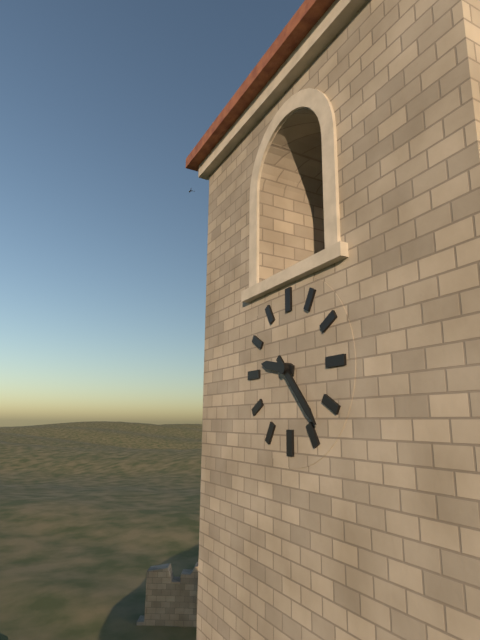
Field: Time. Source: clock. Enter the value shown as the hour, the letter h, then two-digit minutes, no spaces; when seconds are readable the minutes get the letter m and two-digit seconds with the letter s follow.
9h23
